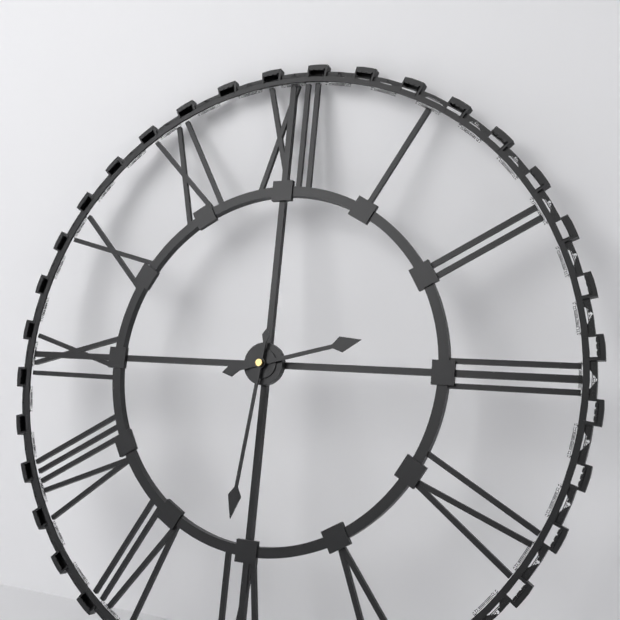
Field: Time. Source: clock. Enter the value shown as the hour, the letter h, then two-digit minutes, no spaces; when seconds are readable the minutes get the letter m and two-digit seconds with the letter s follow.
2h31
